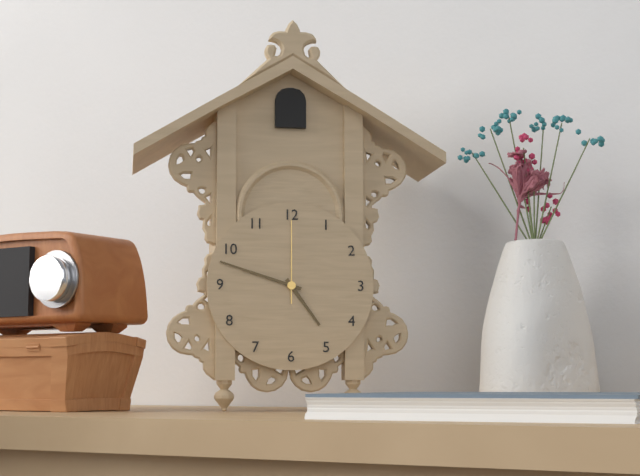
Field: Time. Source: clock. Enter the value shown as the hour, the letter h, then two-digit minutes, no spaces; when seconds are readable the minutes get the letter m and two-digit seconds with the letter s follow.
4h48m00s
